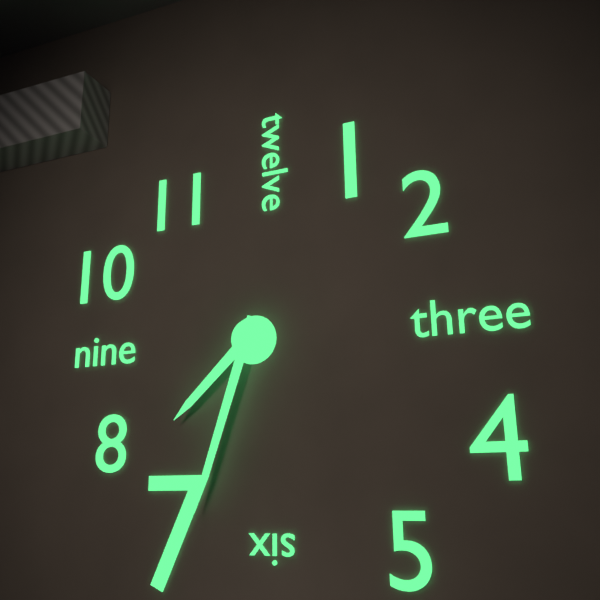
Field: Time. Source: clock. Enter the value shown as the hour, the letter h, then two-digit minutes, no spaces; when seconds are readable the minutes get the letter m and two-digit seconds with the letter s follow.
7h33
